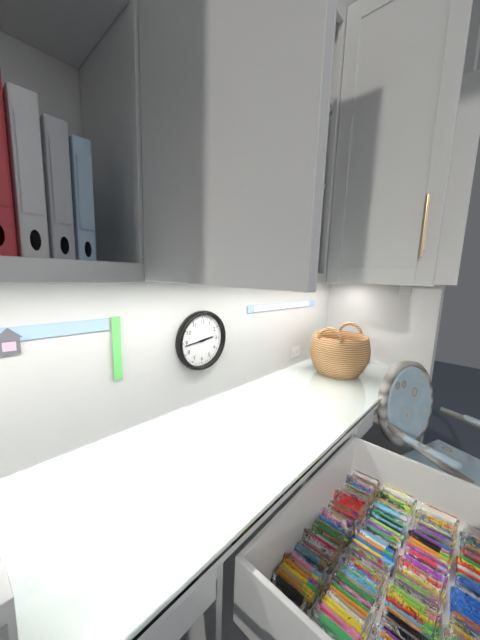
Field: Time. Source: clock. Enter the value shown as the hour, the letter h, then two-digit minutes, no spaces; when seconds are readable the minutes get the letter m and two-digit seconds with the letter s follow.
2h44
